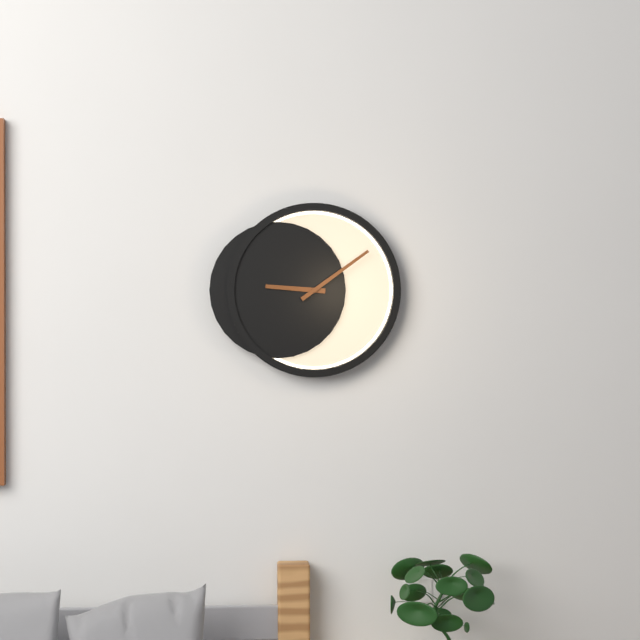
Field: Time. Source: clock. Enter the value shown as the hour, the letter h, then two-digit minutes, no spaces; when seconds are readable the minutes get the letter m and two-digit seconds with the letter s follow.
9h09
